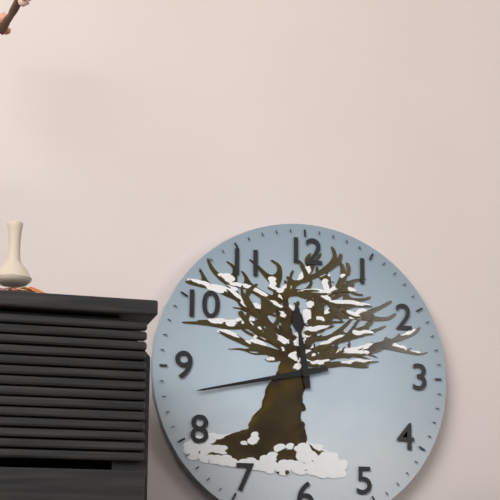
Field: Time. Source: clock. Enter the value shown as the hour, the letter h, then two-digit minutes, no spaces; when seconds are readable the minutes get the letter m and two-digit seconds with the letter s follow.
11h43
